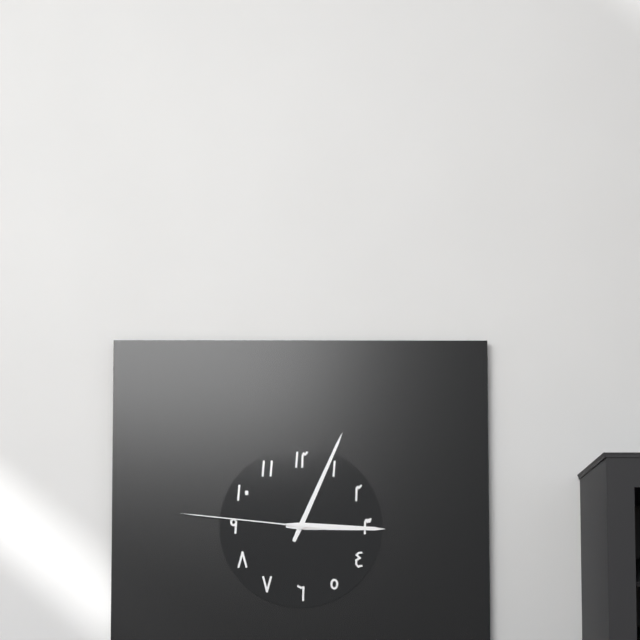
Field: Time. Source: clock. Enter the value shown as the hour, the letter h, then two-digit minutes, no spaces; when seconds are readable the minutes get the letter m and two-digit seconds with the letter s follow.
3h04m46s
